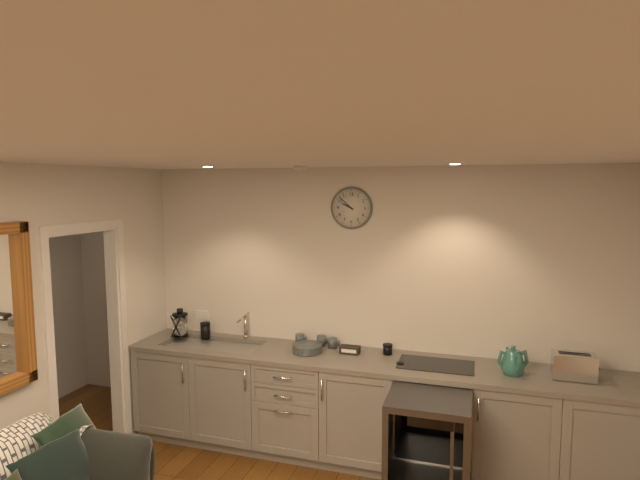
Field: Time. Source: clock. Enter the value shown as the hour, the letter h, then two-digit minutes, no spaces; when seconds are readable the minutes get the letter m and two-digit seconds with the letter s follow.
9h52
